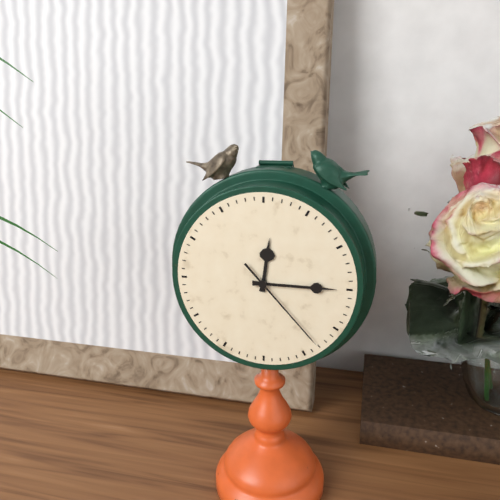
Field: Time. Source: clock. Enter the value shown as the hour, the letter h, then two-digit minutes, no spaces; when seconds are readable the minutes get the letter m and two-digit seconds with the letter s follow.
12h15m23s
